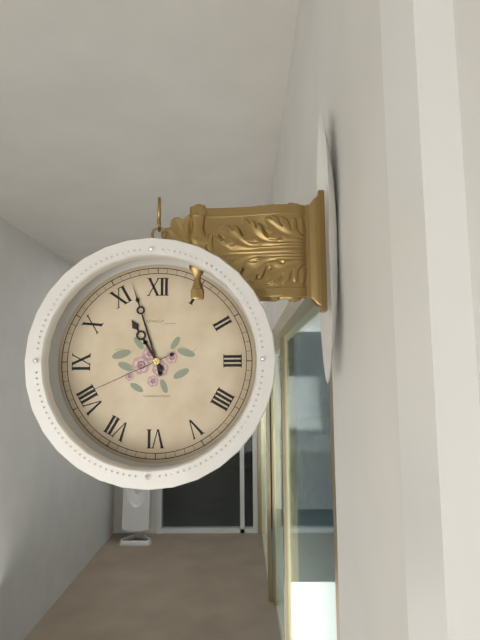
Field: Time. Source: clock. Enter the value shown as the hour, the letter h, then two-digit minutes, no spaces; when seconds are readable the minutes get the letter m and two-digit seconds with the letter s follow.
10h57m41s
